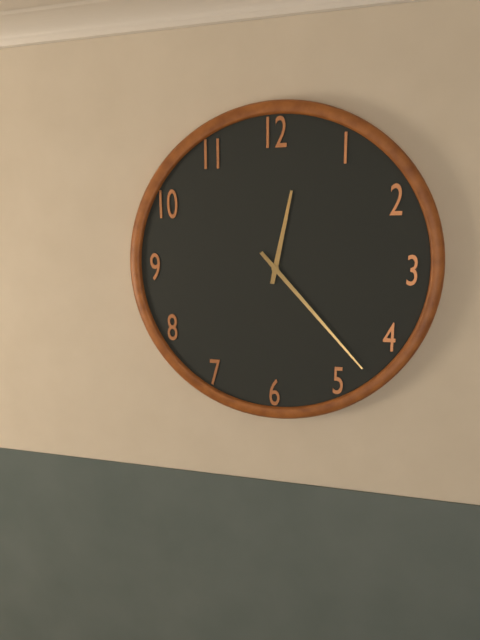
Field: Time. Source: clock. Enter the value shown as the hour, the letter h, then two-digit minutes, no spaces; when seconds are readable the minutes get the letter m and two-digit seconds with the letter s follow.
12h23
